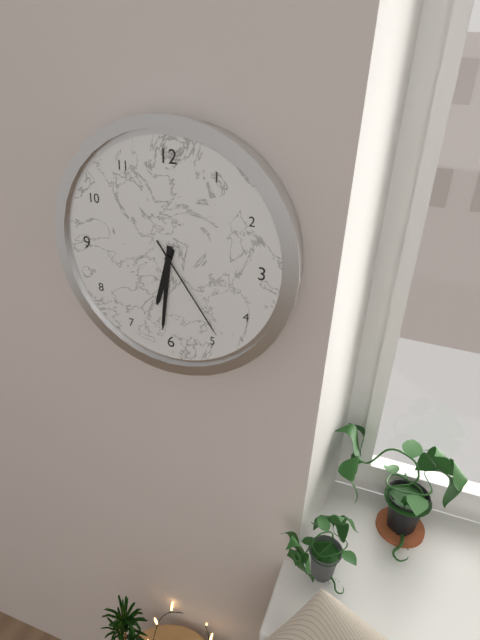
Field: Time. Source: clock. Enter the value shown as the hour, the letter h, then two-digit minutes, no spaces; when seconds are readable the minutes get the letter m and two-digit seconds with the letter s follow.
6h31m24s
